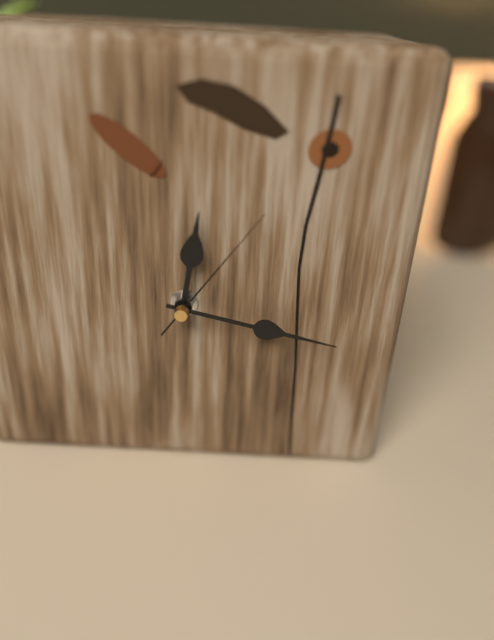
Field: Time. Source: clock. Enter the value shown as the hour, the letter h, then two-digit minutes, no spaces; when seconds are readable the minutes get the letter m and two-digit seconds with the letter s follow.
12h17m06s
